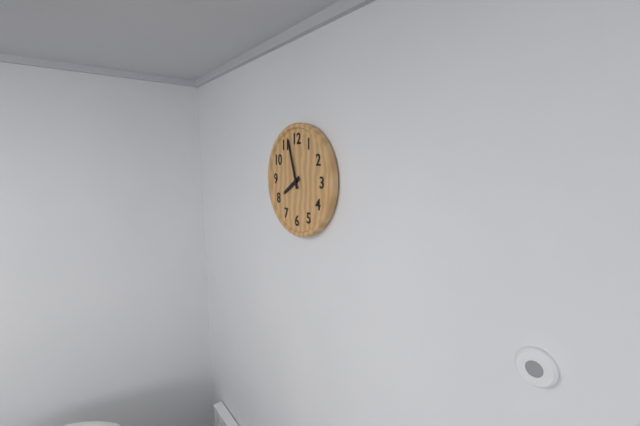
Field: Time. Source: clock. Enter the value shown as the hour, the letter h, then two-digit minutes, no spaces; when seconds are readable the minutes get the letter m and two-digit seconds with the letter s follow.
7h57
